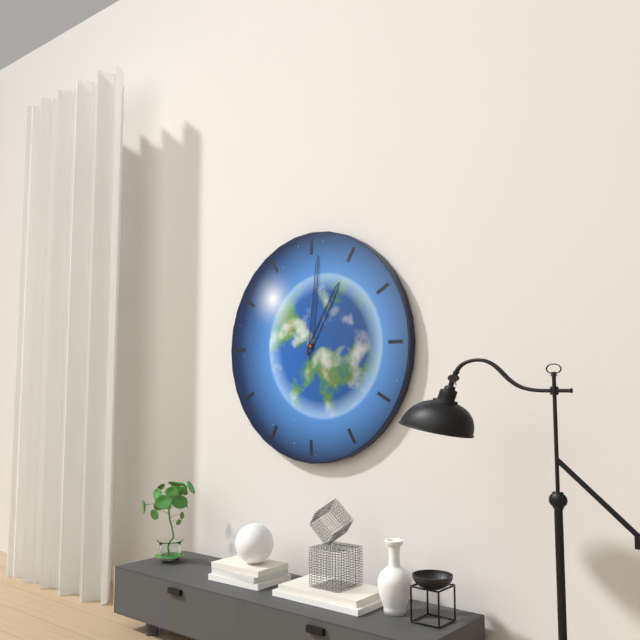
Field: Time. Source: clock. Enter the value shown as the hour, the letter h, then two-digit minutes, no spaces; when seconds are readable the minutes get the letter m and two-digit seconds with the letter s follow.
1h01
